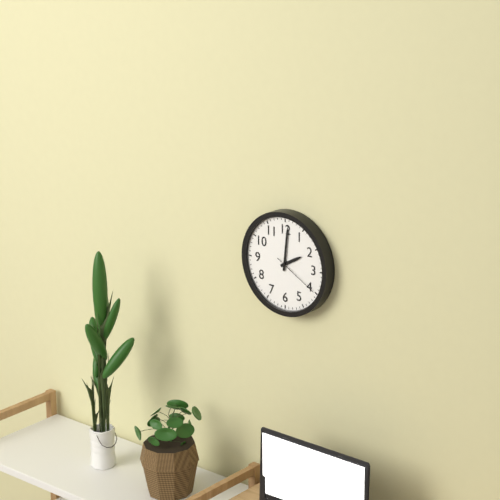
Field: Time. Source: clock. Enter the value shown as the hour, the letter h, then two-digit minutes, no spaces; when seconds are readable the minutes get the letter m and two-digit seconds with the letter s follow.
2h01m20s
